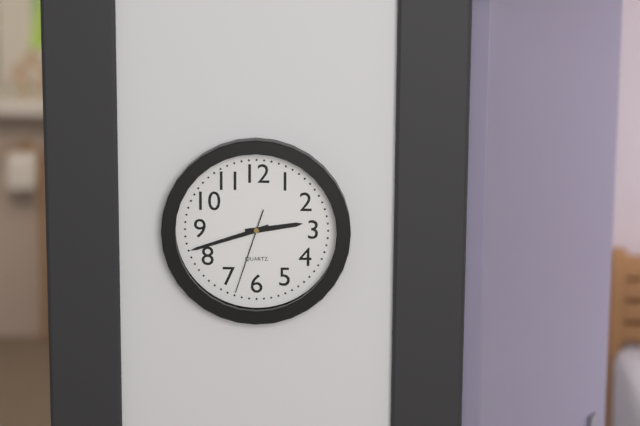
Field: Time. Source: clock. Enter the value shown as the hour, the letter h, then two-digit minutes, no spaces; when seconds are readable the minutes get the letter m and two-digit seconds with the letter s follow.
2h42m33s
